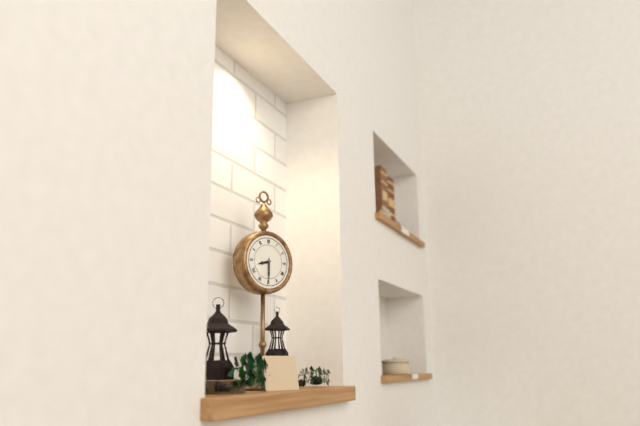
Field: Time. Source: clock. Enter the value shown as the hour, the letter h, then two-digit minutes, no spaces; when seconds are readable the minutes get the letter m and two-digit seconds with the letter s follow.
8h30
